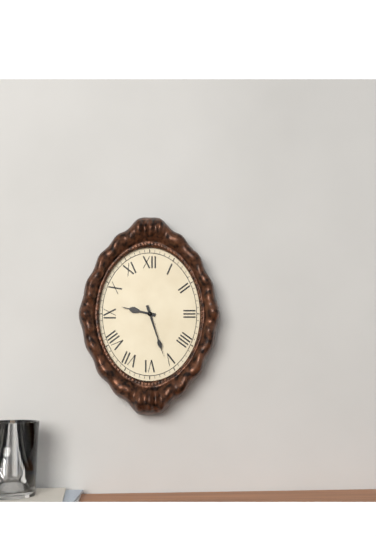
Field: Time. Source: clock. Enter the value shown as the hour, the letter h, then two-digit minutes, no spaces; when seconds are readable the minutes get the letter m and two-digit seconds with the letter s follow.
9h27
